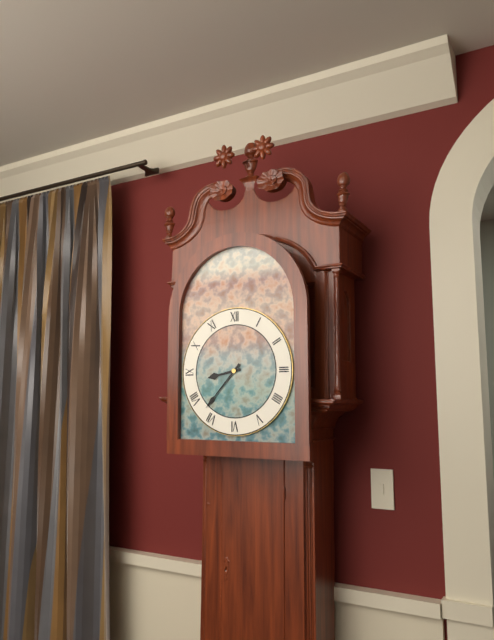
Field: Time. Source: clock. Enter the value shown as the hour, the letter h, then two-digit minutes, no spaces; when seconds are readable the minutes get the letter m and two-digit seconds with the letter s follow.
8h37
